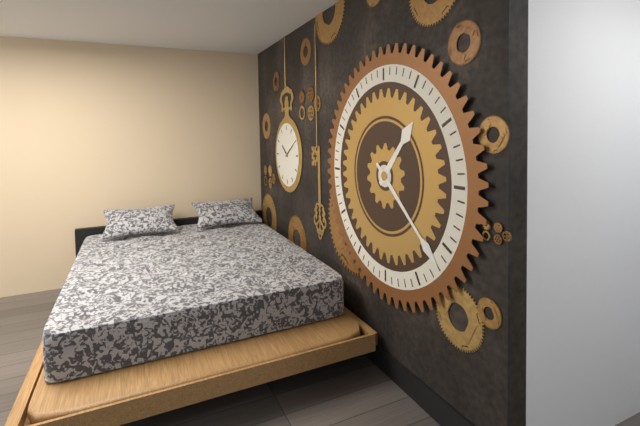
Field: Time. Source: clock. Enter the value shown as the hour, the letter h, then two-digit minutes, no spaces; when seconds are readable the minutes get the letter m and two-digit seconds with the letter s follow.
1h22
